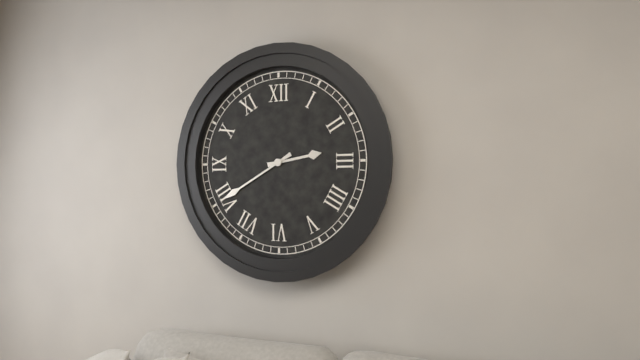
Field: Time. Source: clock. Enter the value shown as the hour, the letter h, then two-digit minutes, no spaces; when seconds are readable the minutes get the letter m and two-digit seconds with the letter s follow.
2h40
